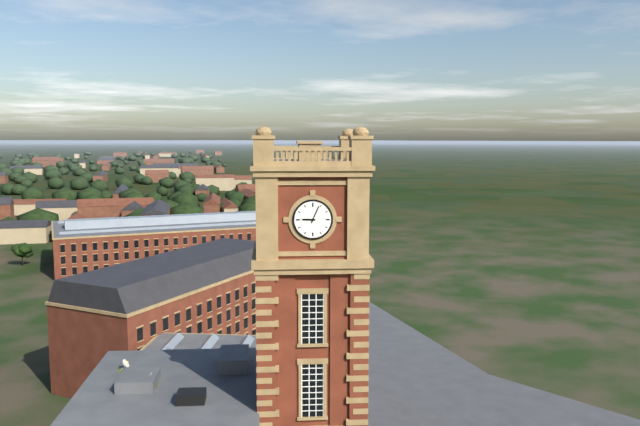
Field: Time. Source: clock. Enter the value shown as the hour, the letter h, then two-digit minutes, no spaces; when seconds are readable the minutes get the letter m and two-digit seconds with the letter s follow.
9h04
